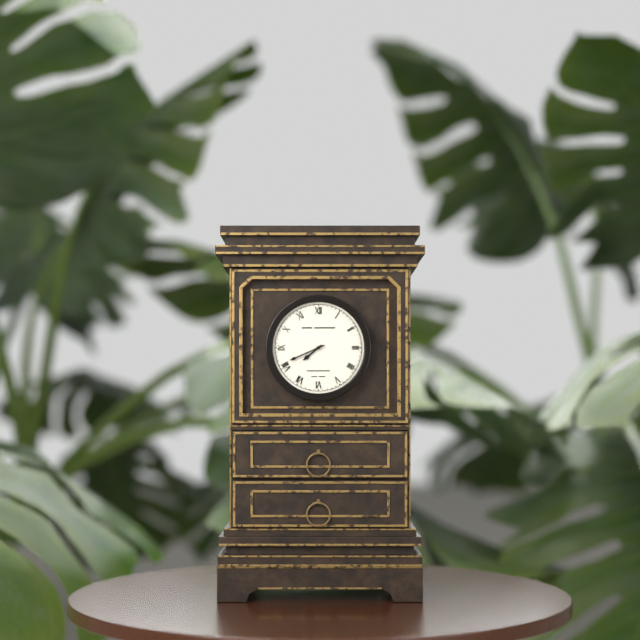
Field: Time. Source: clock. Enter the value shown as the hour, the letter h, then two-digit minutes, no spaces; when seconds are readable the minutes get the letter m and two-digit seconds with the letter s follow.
7h41
